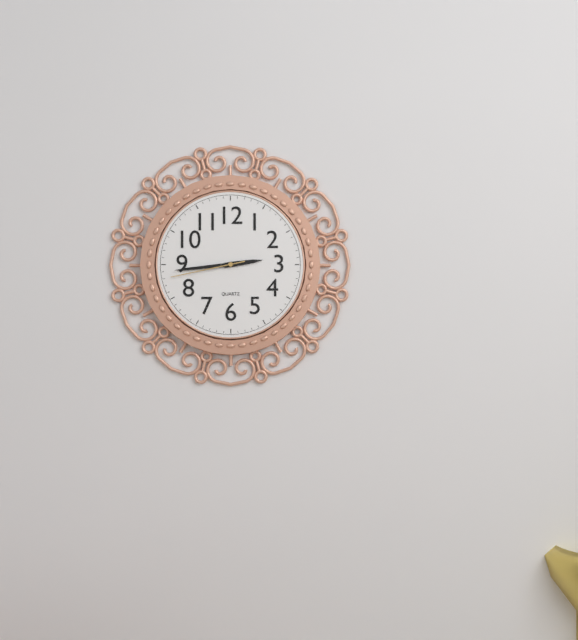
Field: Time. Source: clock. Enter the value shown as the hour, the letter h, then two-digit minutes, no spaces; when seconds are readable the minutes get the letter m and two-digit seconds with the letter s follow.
2h44m43s
